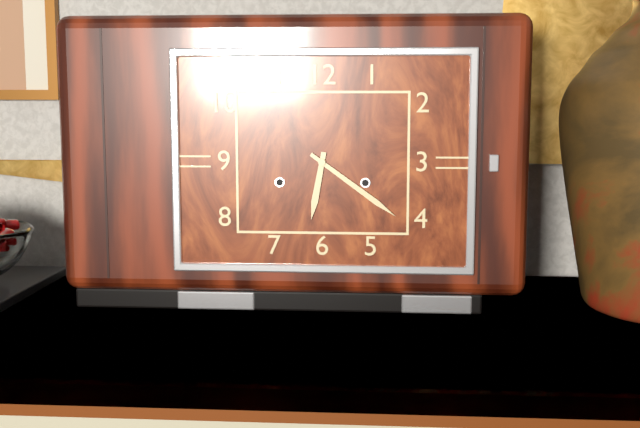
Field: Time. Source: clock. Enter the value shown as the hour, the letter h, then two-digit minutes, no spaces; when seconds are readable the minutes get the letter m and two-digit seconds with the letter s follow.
6h21
